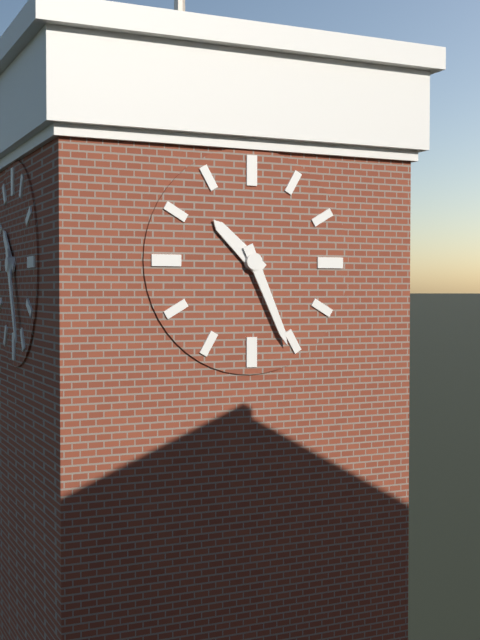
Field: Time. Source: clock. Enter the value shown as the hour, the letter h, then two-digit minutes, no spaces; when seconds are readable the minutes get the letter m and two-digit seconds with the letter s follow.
10h26
